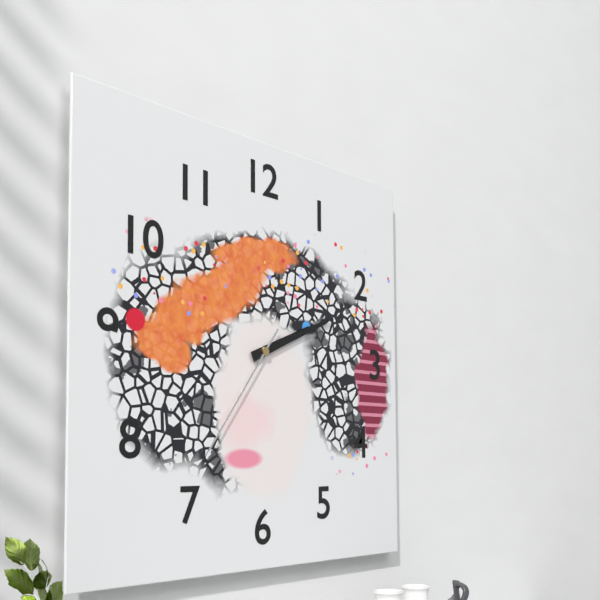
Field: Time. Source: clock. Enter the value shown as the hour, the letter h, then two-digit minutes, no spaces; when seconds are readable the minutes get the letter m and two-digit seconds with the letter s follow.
2h11m36s
